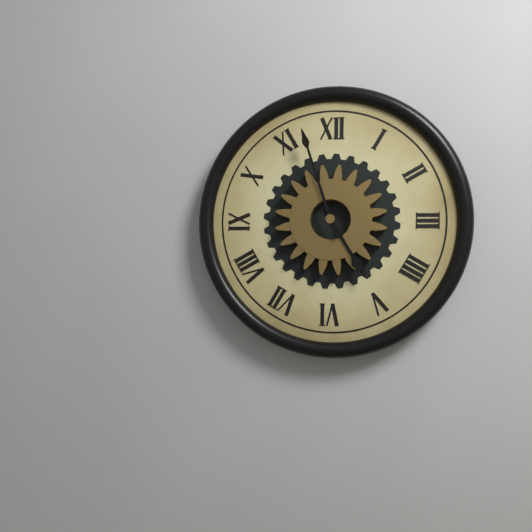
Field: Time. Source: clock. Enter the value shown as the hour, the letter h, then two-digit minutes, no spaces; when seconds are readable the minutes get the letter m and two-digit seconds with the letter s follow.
4h57
